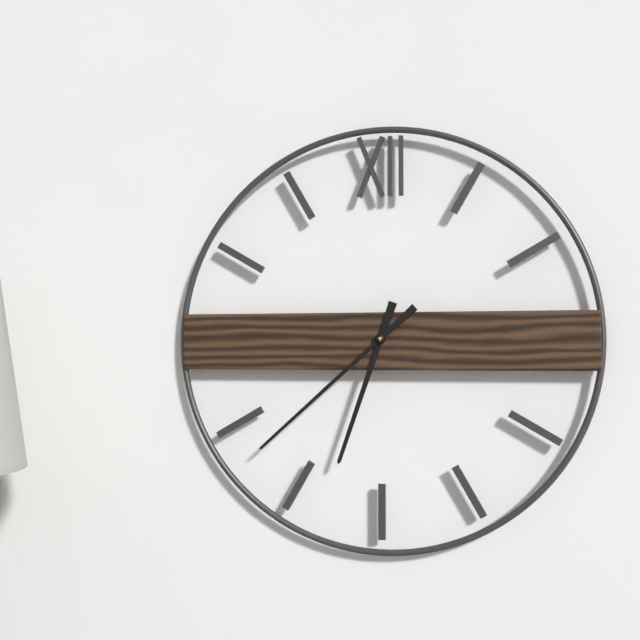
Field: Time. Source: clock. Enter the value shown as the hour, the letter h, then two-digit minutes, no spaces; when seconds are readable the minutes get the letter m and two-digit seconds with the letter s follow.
6h38
